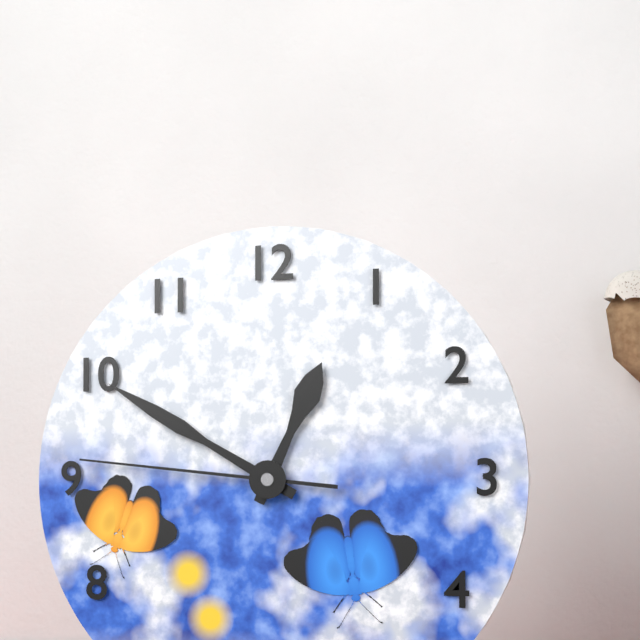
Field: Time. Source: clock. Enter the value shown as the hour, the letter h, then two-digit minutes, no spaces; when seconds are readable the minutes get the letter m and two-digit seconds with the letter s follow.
12h50m46s
